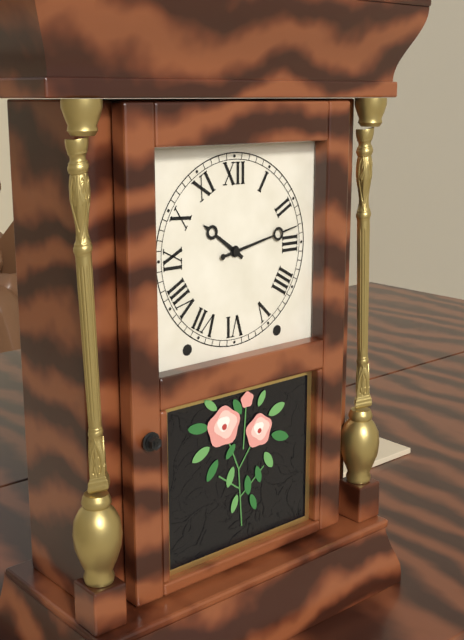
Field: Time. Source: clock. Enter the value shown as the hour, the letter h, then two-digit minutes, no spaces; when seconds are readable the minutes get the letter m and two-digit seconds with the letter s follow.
10h13
